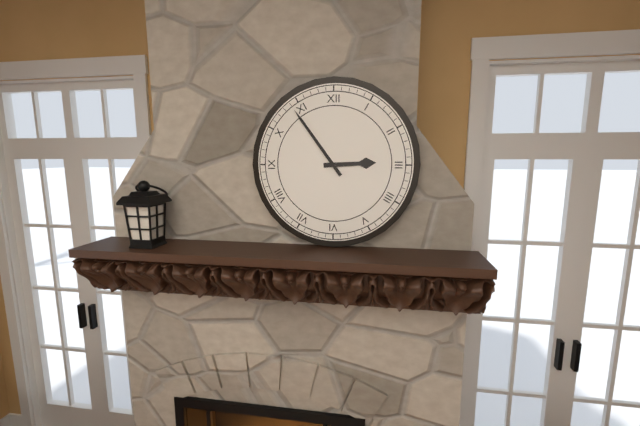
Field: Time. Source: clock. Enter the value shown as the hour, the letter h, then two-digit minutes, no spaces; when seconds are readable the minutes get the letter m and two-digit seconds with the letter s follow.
2h54
